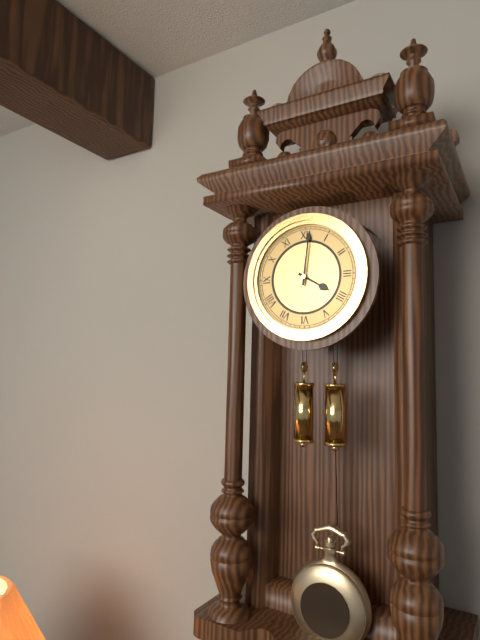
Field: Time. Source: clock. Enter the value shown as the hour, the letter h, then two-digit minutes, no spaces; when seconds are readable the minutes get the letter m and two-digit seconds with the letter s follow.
4h01
